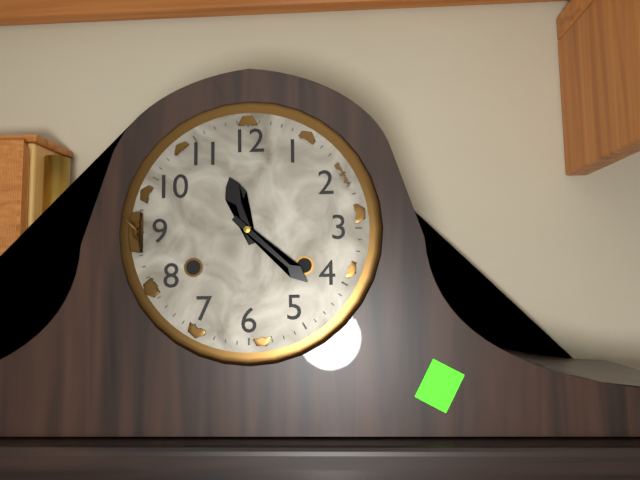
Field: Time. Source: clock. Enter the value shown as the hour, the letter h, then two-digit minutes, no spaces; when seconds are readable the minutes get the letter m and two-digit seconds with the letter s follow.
11h22
